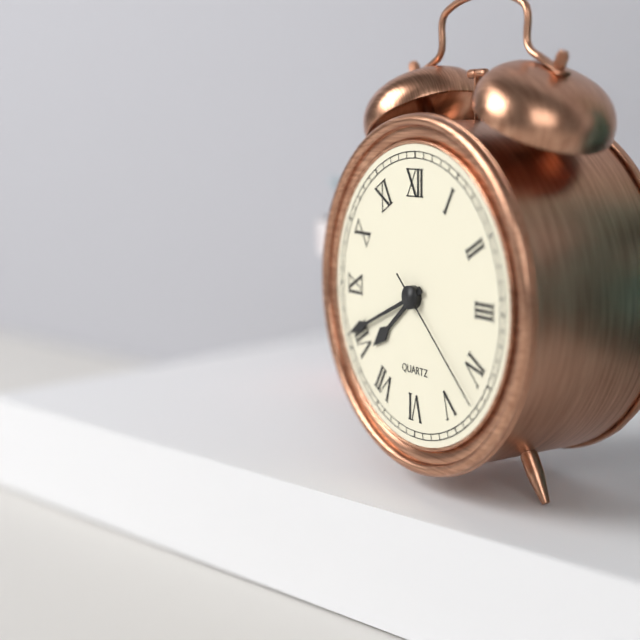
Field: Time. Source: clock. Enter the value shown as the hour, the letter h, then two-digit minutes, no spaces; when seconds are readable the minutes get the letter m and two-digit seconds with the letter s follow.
7h41m22s
